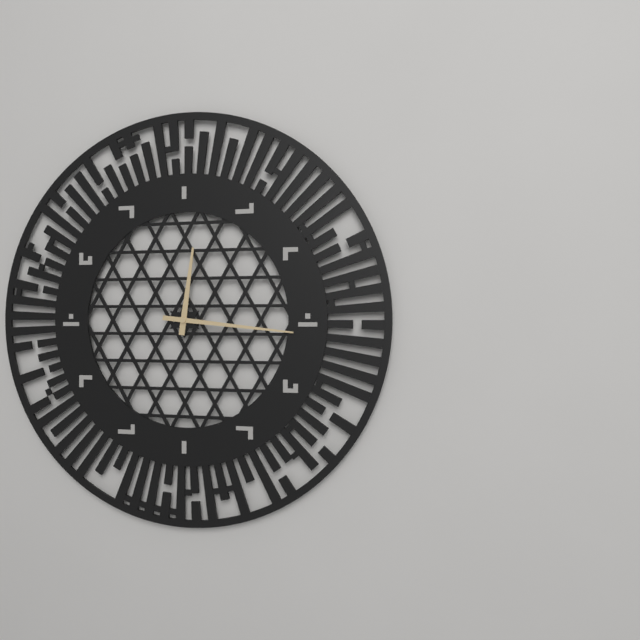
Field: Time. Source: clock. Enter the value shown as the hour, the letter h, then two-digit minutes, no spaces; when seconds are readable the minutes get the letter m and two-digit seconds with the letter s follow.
12h16
